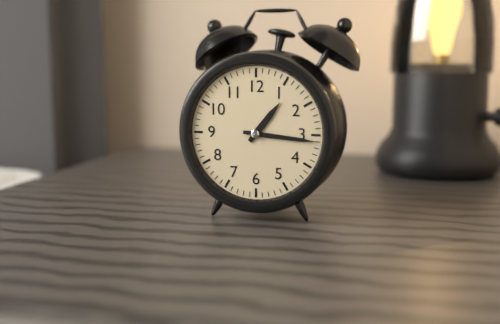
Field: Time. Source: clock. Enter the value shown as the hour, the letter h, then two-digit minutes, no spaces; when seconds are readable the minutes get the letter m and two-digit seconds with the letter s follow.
1h16
